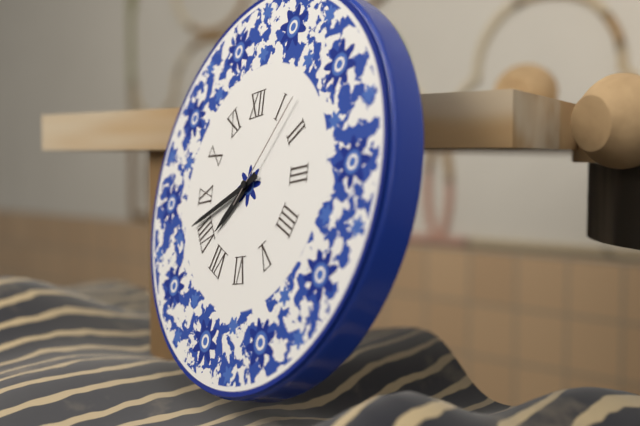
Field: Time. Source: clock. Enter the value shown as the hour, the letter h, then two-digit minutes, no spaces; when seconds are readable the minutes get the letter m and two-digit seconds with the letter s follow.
7h42m07s
